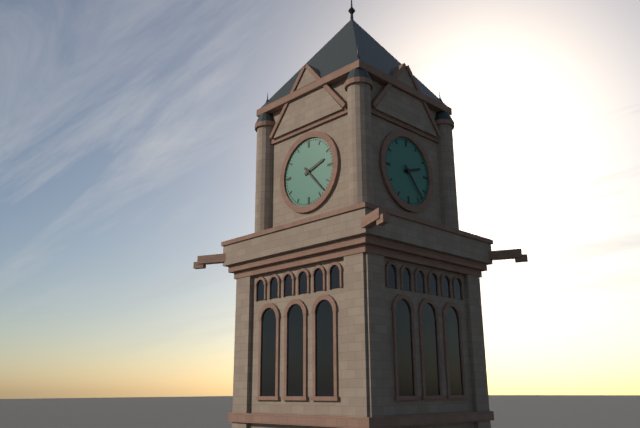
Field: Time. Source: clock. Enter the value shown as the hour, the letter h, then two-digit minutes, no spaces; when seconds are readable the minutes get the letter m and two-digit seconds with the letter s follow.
2h23
